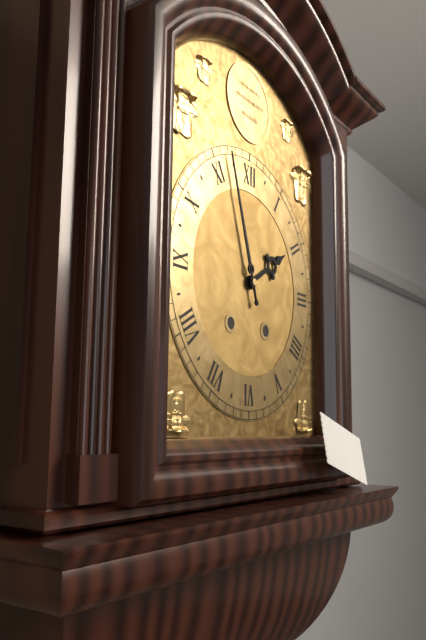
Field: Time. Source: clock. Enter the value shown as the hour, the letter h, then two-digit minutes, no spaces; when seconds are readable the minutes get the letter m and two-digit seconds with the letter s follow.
1h57
